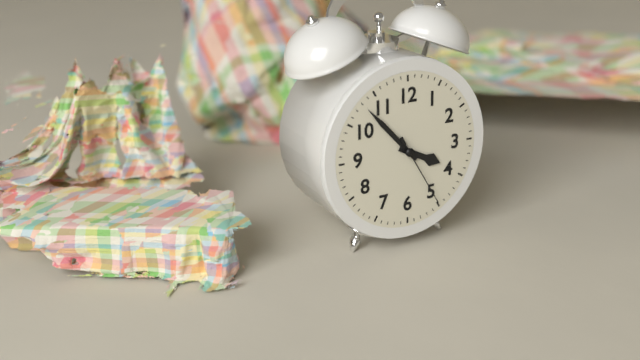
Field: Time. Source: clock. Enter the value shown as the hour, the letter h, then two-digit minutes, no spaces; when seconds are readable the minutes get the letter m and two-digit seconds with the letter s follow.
3h53m25s
